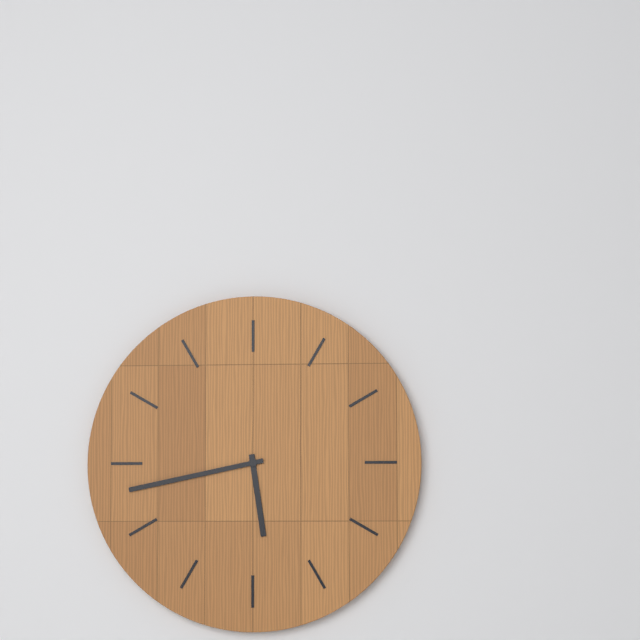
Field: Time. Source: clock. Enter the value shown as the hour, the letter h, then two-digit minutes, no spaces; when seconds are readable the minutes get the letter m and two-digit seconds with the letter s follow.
5h43
